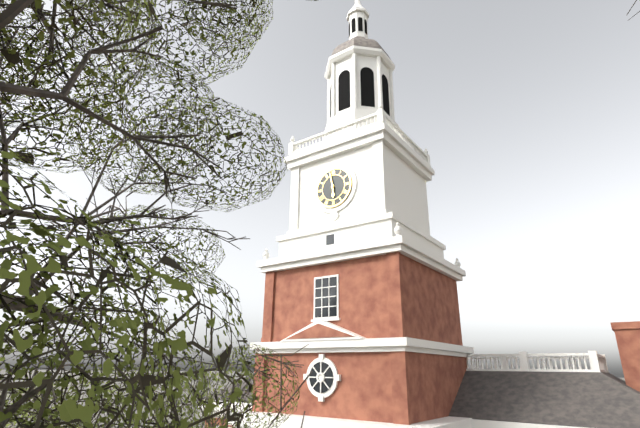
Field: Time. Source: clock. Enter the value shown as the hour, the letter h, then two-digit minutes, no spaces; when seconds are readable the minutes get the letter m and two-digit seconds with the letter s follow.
5h58
